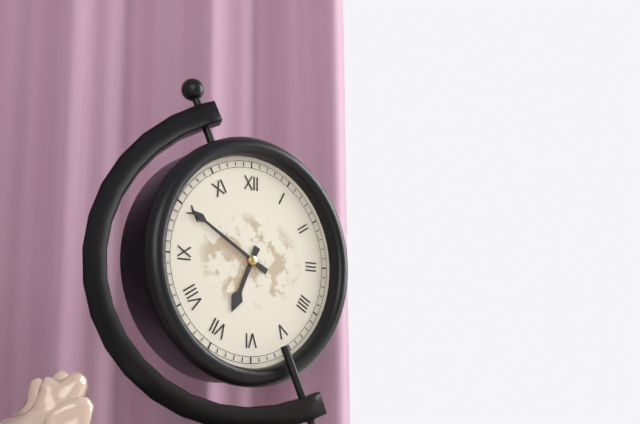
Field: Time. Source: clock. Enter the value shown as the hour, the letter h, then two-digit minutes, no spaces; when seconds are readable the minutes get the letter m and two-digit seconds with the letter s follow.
6h50
